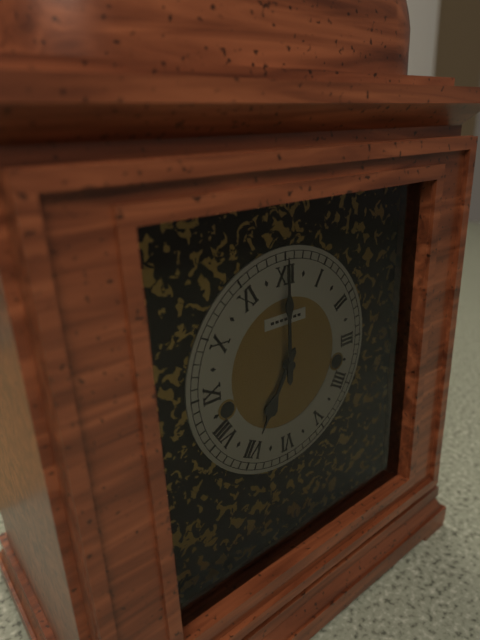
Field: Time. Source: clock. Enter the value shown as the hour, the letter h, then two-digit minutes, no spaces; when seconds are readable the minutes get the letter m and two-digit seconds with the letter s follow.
7h00
